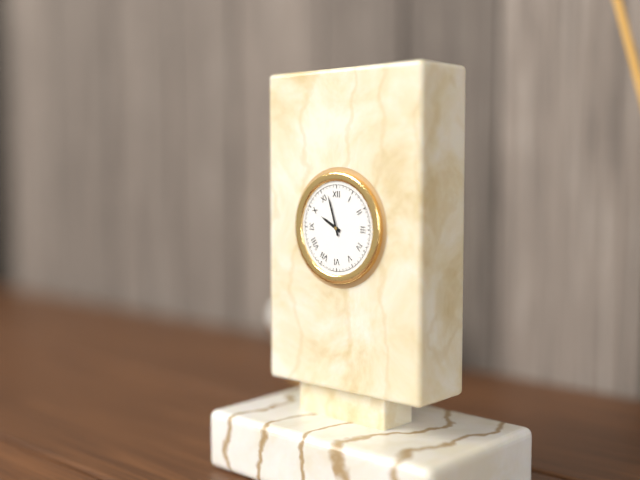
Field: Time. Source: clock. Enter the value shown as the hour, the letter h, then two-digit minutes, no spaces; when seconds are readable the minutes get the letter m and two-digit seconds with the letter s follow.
9h57
